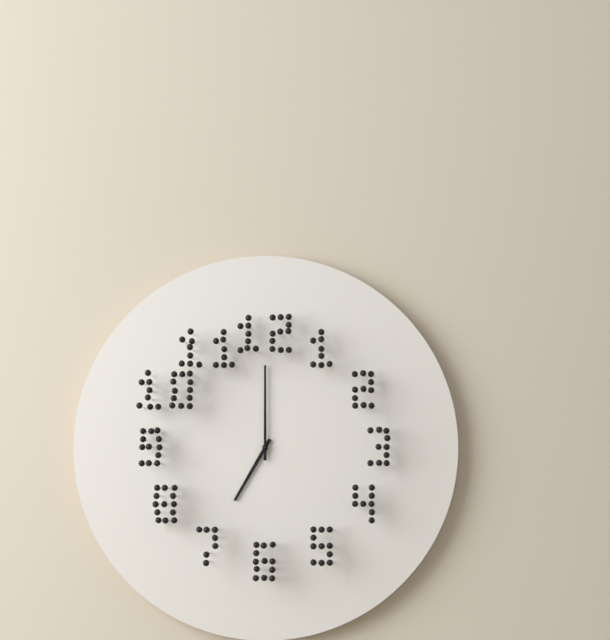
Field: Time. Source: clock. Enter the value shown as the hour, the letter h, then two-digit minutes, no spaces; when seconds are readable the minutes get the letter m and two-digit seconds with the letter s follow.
7h00
